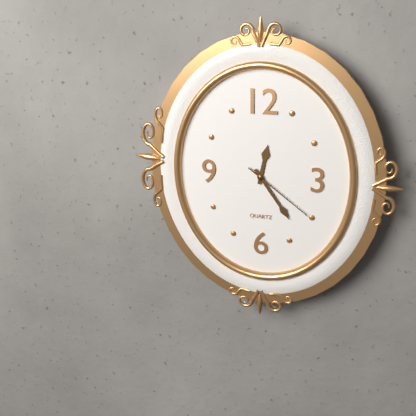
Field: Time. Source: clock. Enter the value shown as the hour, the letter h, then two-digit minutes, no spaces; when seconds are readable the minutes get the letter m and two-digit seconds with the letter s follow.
12h24m21s
